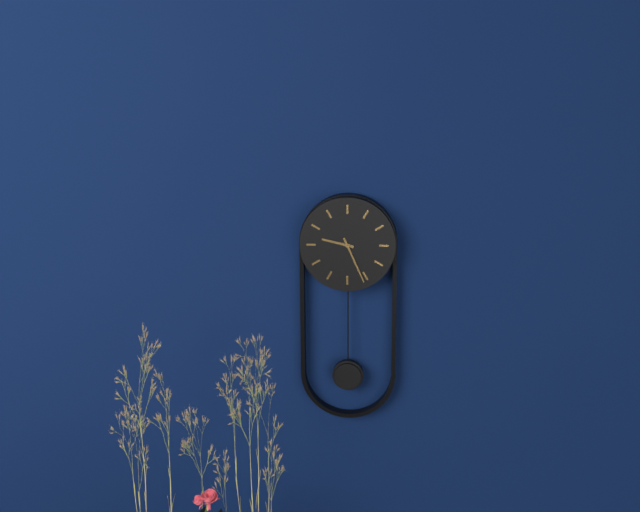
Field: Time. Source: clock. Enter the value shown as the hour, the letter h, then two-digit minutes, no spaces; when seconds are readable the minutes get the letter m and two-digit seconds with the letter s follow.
9h26
